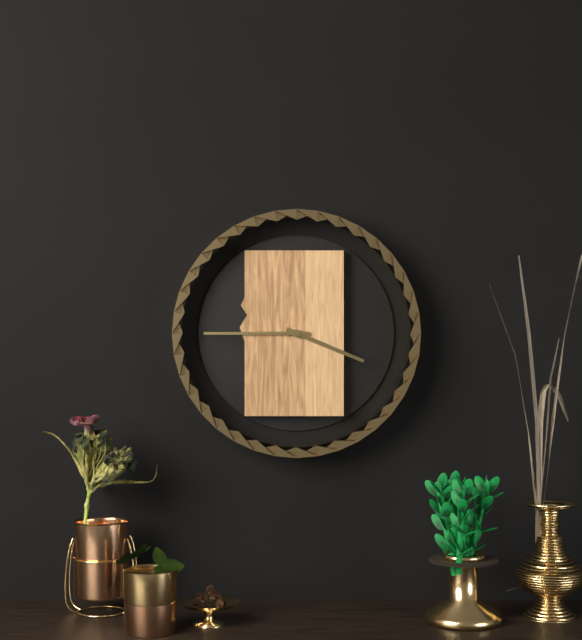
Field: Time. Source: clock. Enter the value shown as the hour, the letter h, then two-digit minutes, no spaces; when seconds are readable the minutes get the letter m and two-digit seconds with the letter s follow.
3h45
